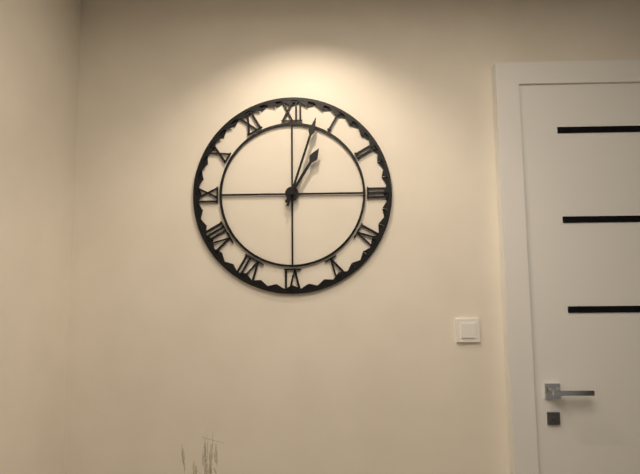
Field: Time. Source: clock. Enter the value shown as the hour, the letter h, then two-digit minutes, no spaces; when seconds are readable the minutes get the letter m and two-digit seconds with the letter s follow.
1h03
